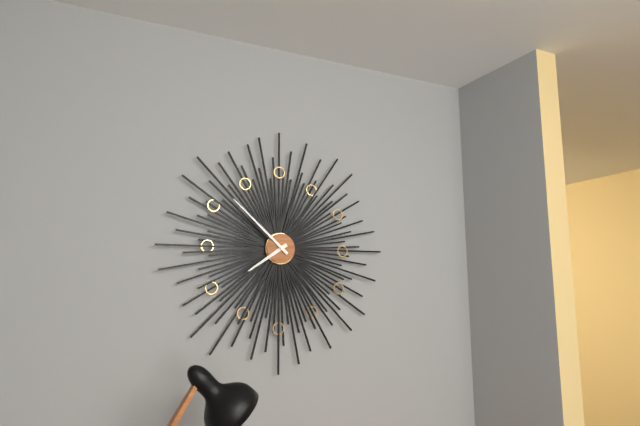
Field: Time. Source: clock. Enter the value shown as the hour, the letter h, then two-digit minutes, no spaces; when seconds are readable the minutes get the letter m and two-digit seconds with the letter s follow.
7h52
